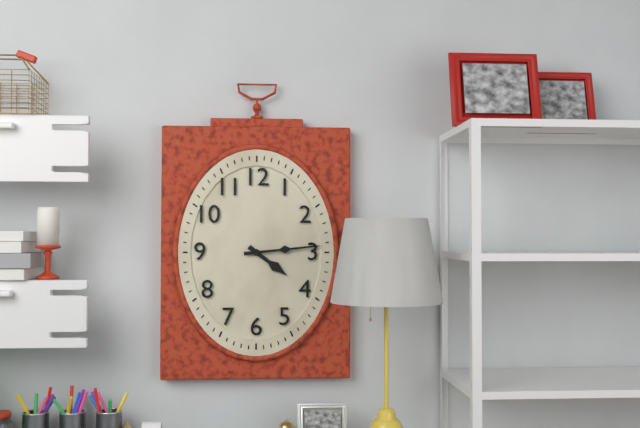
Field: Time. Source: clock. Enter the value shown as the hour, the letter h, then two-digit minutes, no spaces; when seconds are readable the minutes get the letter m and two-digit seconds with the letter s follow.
4h14
